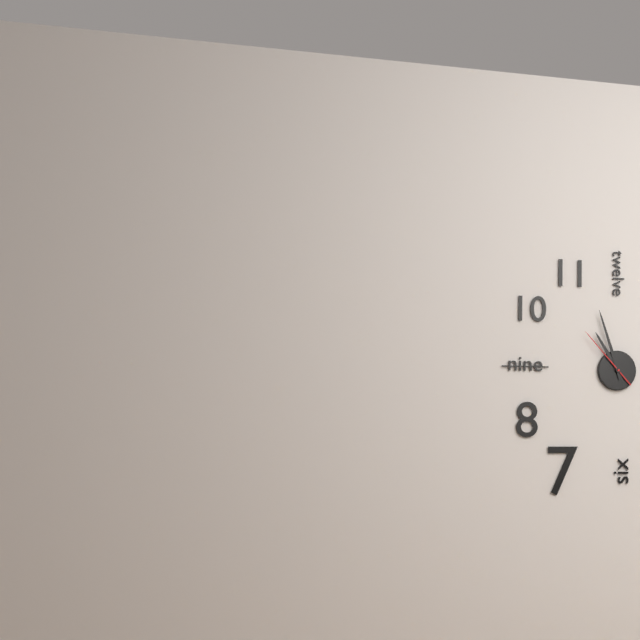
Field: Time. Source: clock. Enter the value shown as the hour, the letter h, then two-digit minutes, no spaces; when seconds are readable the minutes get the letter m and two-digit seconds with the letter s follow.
10h57m53s
